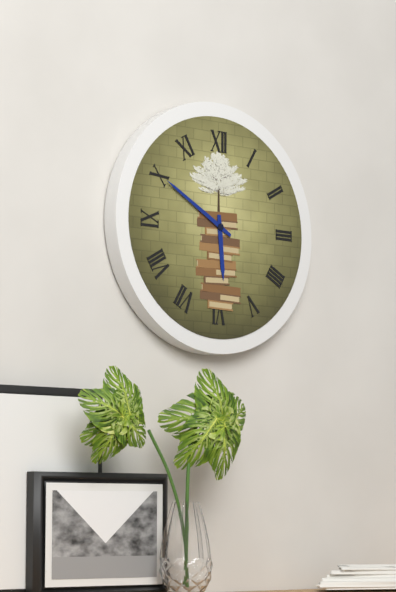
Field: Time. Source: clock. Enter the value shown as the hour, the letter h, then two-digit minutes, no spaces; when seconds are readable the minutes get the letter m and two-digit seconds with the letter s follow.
5h50
